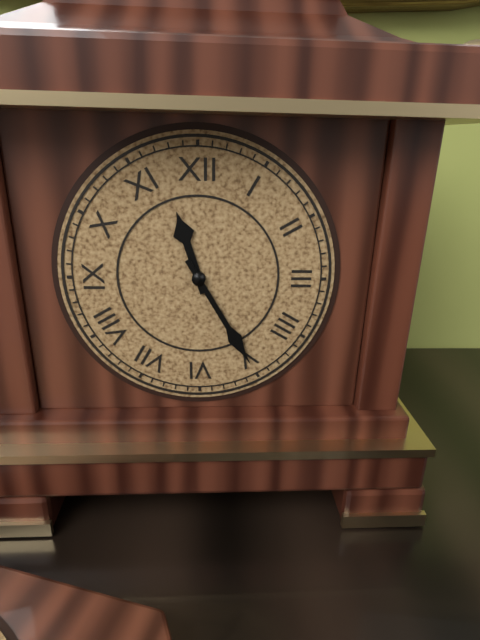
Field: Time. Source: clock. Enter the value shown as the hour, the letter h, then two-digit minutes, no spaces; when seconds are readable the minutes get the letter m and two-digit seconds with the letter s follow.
11h25
